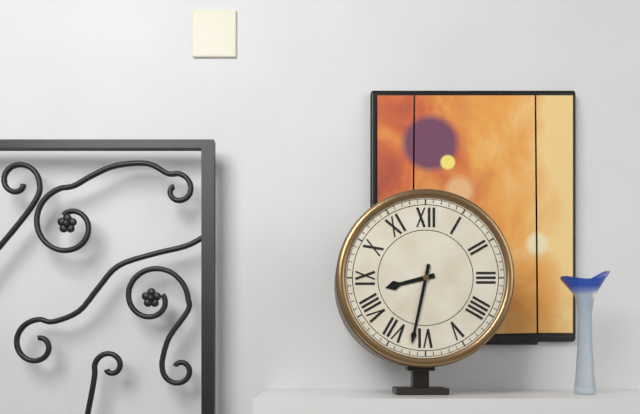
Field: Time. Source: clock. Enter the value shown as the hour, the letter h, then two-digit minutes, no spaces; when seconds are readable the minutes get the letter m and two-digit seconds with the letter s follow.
8h32
